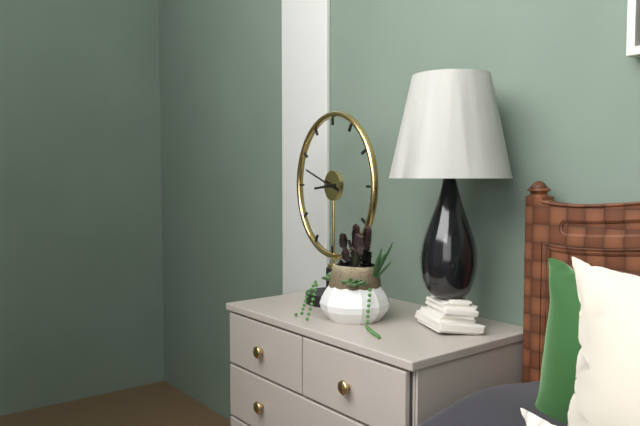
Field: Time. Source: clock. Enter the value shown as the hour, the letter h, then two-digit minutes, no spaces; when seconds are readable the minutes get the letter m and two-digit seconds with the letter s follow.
8h48
